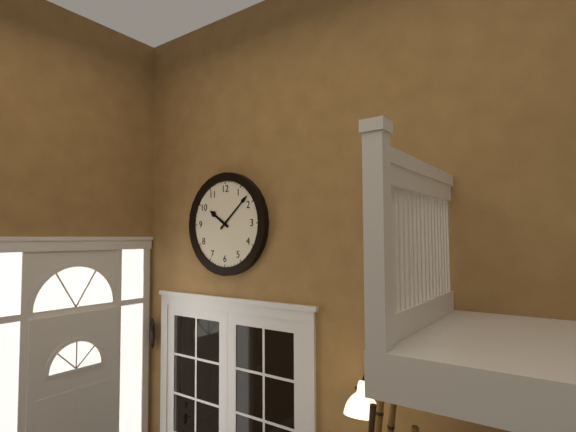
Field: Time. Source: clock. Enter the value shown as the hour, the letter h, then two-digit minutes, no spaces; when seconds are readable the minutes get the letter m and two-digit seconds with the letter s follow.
10h08
